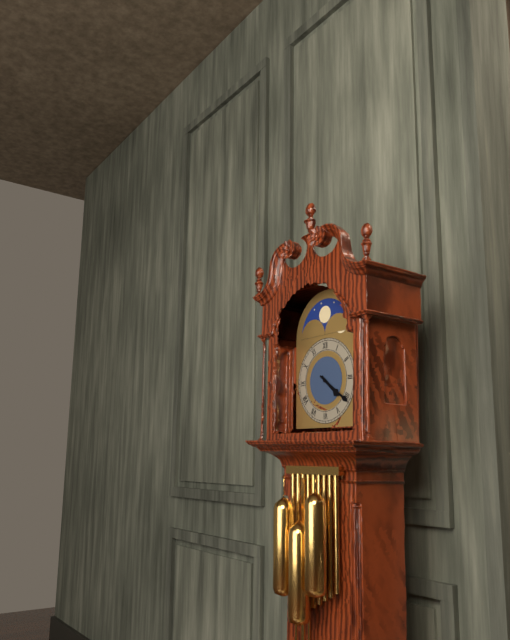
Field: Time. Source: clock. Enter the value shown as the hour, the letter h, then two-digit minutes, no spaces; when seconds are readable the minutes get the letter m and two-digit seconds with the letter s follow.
4h21
